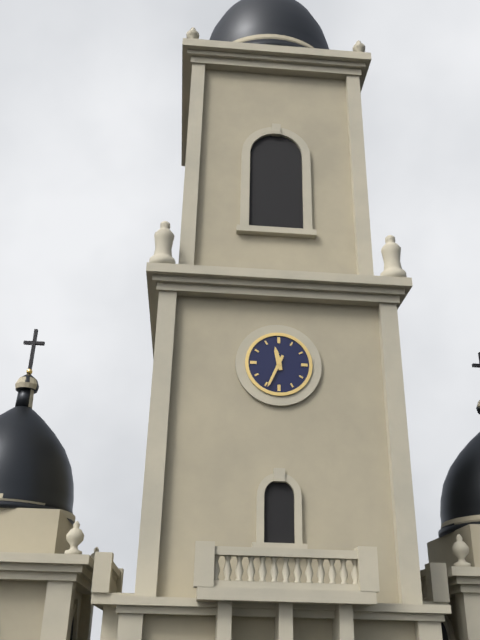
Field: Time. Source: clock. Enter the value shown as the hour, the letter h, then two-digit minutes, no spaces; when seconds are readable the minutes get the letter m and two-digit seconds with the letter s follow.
11h34
